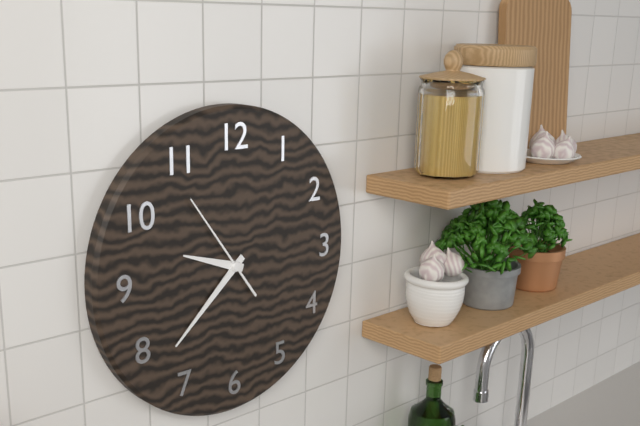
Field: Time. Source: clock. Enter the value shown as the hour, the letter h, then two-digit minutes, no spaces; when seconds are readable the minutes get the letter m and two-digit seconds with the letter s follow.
9h38m54s
